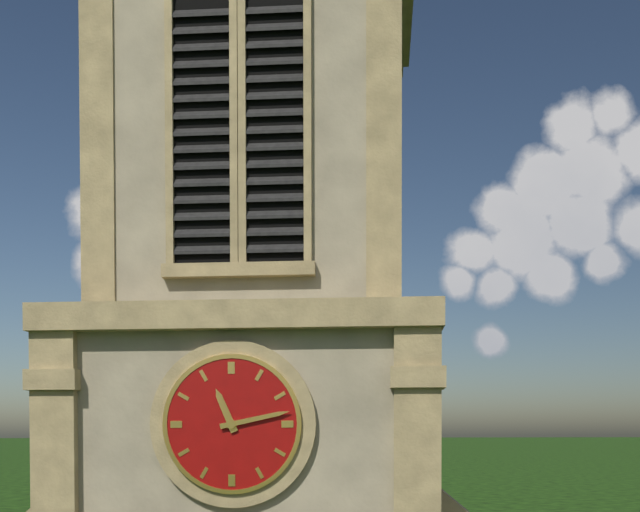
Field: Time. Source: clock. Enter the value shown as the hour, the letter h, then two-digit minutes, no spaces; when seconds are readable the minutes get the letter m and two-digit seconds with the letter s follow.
11h13
